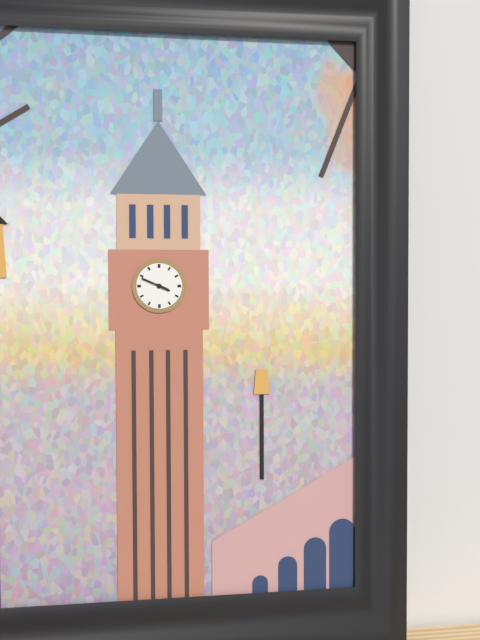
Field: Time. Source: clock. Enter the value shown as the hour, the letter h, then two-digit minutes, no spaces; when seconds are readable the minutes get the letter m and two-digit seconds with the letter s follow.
3h49
